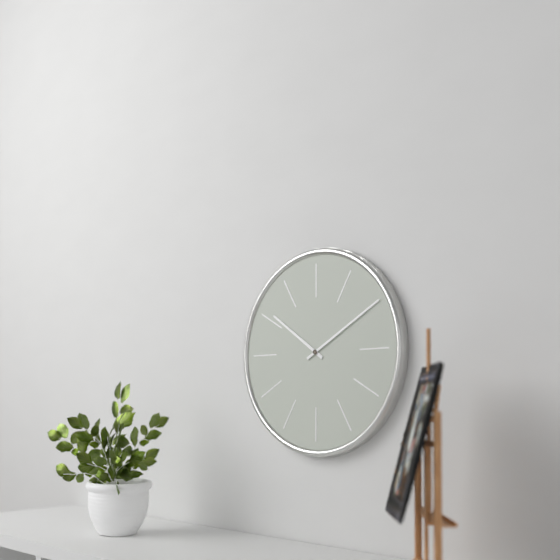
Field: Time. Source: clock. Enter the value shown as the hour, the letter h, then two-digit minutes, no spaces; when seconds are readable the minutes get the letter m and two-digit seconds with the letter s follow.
10h10
